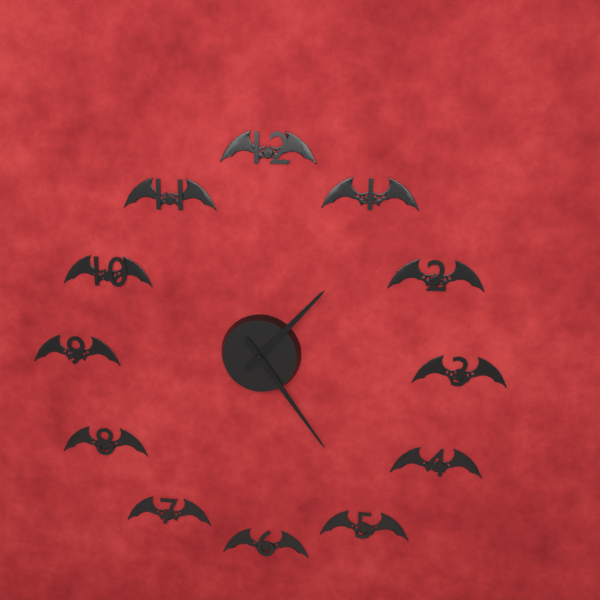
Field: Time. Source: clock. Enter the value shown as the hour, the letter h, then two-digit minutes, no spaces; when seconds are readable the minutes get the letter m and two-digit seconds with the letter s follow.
1h24
